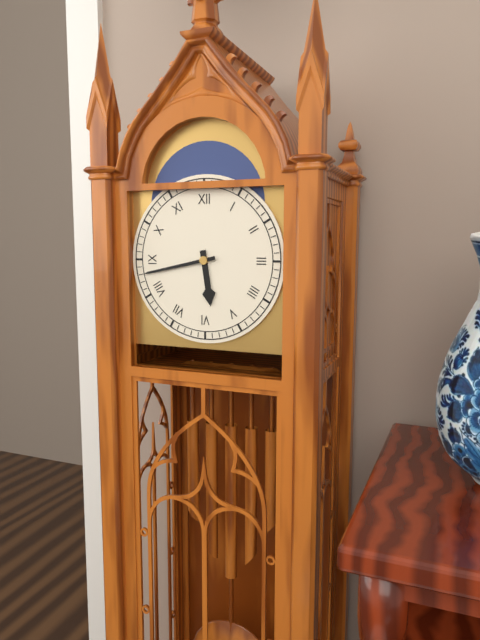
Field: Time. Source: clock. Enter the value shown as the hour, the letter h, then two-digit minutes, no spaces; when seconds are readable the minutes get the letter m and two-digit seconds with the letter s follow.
5h43
